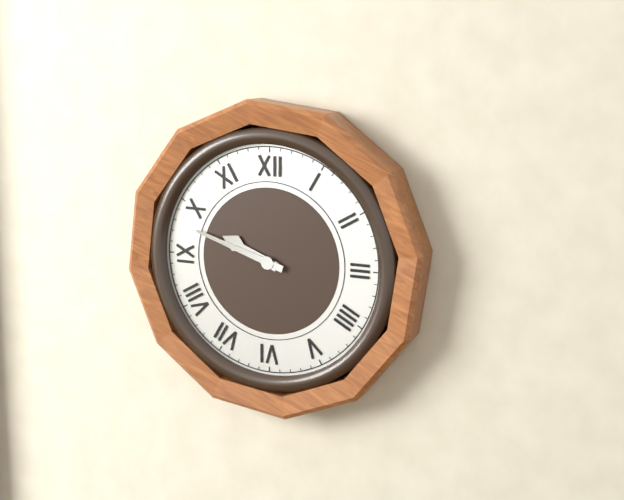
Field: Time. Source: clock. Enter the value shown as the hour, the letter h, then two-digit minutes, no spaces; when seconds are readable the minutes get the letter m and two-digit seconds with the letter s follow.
9h48
